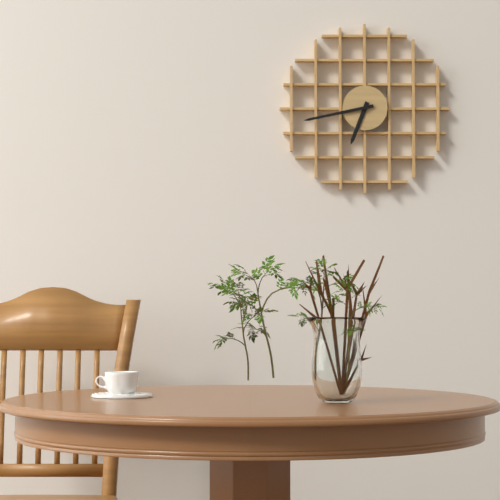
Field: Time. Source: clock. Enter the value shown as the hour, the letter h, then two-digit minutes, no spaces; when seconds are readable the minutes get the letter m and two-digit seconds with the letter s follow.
6h43
